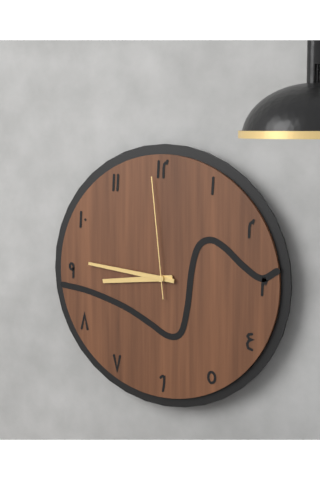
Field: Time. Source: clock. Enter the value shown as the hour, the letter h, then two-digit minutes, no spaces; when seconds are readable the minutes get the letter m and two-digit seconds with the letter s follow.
8h46m59s
